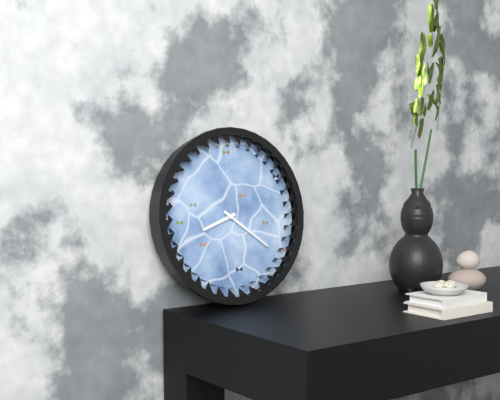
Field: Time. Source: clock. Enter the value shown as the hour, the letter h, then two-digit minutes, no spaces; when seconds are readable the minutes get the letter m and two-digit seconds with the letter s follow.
8h21
